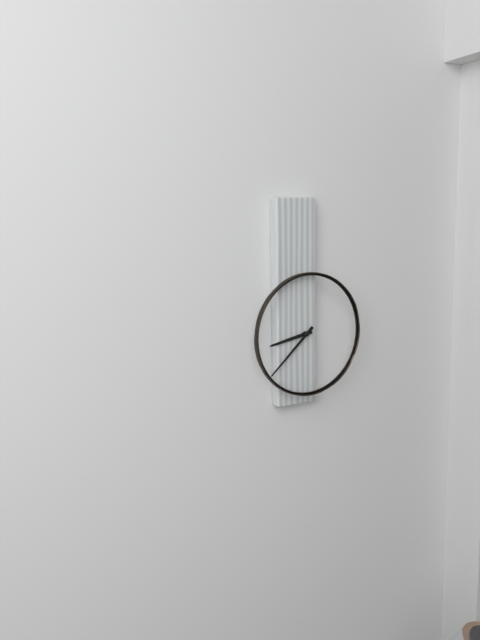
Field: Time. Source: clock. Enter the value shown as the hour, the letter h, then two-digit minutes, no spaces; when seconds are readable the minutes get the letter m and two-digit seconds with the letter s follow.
8h38
